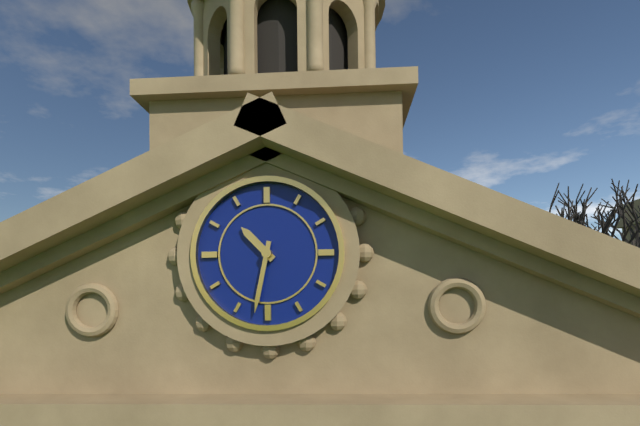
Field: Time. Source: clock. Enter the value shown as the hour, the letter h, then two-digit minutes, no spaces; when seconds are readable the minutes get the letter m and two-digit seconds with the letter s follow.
10h32
